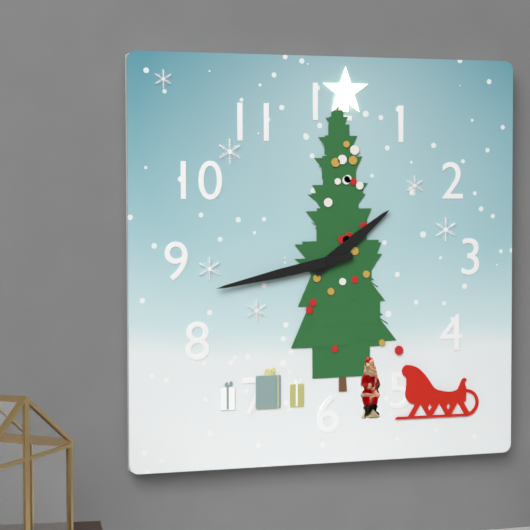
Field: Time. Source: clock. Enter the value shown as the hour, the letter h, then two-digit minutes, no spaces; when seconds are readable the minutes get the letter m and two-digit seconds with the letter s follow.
1h43
